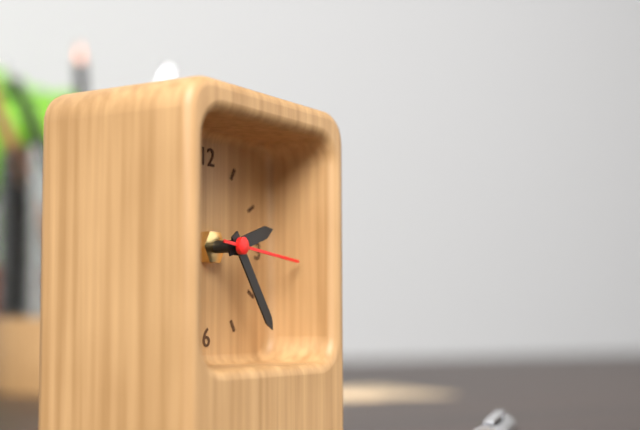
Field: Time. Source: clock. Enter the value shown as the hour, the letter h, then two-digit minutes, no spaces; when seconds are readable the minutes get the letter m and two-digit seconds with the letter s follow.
2h24m16s
